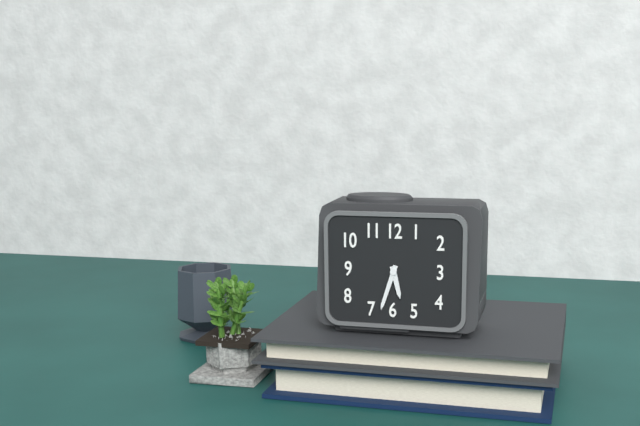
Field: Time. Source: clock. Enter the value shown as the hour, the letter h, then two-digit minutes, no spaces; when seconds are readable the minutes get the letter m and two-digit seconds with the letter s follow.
5h33
